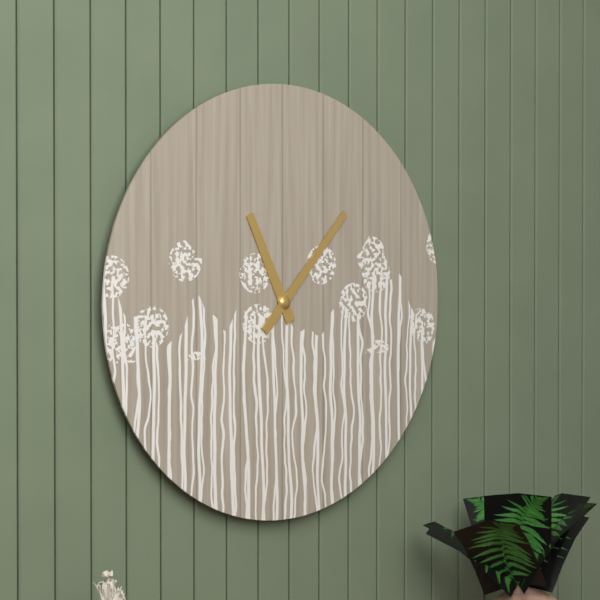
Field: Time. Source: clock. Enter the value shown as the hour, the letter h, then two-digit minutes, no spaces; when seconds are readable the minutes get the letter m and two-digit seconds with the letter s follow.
11h07
